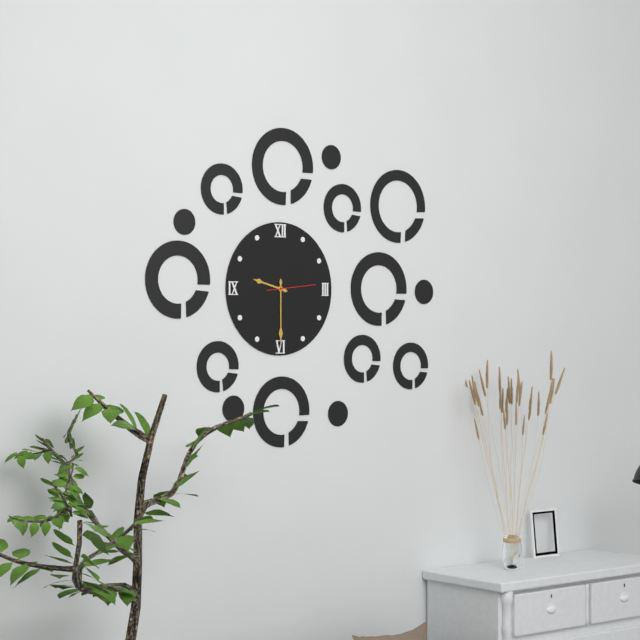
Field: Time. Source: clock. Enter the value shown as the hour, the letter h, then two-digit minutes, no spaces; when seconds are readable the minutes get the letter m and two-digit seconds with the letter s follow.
9h30
